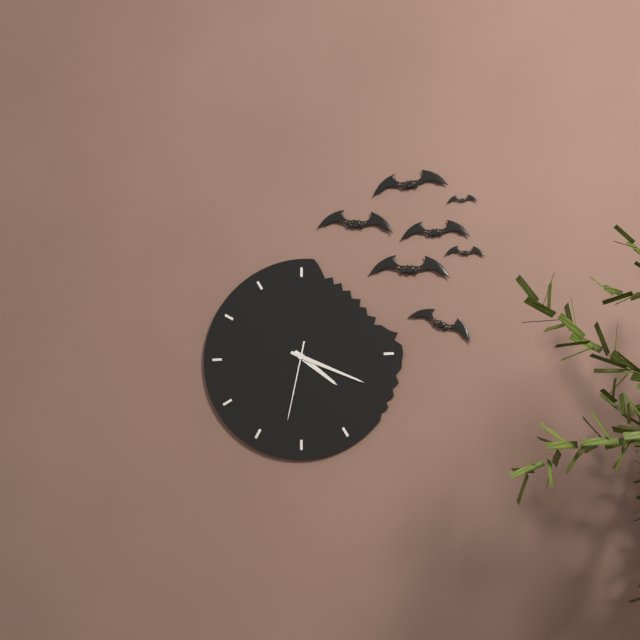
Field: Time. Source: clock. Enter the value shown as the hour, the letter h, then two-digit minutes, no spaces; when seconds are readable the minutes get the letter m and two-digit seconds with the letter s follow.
4h19m32s
